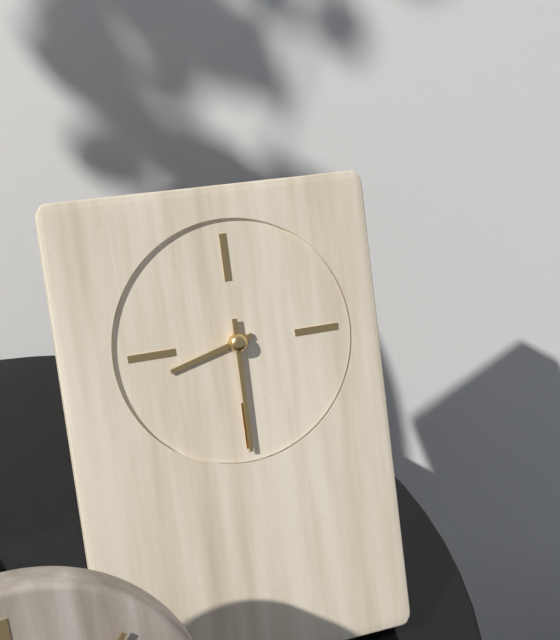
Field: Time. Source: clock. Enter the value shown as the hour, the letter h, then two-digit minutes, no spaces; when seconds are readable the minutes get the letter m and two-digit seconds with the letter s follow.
8h30
